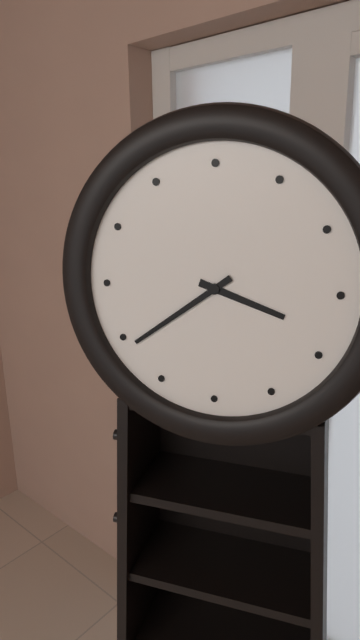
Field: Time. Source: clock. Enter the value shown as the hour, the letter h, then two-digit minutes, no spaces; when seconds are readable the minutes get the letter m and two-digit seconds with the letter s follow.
3h39
